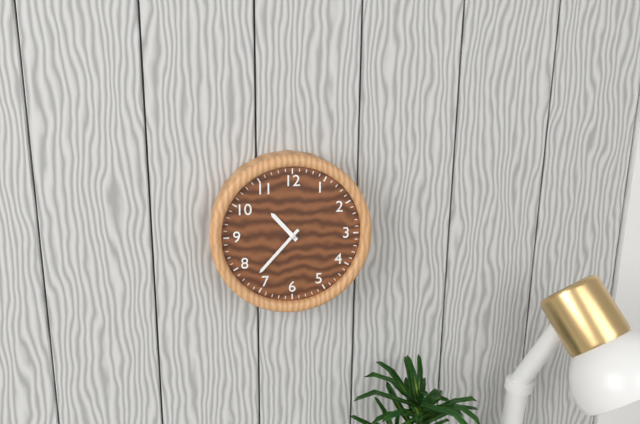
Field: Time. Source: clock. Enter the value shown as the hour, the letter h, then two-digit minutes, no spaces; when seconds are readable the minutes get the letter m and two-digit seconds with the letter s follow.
10h37
